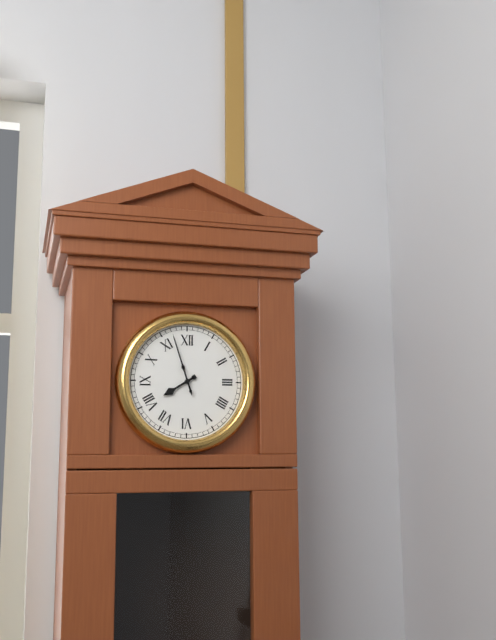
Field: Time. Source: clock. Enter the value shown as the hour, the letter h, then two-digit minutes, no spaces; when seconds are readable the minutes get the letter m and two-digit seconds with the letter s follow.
7h57
